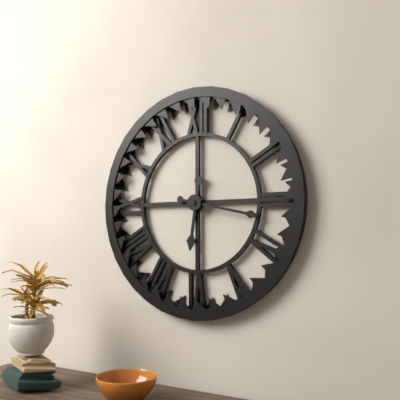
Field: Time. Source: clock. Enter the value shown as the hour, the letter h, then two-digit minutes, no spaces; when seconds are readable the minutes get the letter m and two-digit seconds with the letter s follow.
6h17
